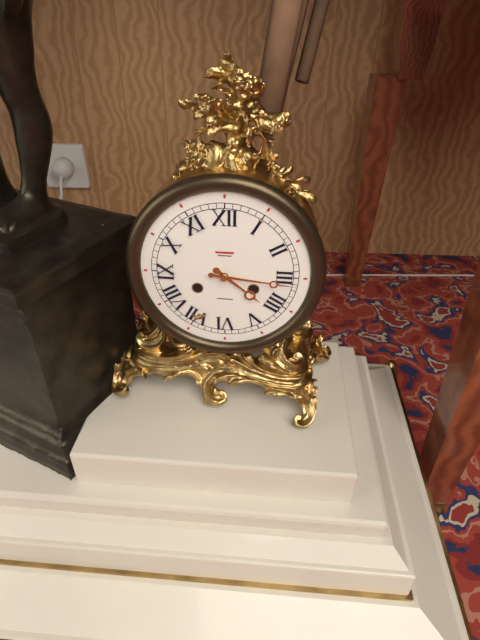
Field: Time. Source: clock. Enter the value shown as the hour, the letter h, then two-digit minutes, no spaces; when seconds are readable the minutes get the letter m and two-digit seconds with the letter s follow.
4h16
